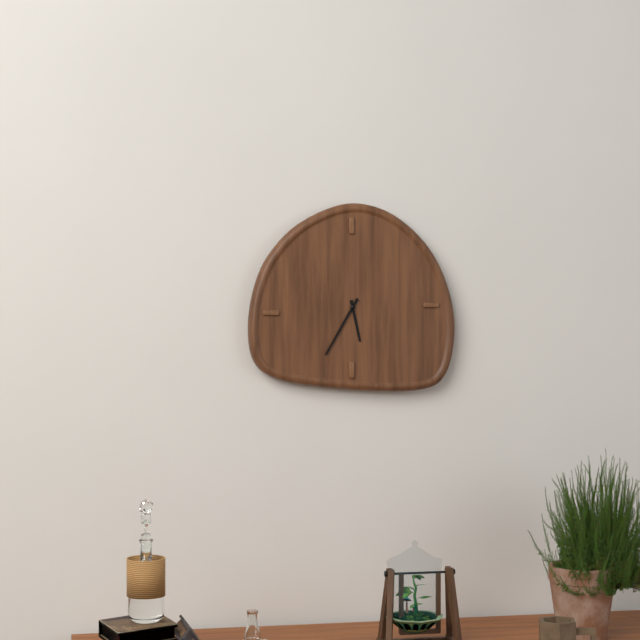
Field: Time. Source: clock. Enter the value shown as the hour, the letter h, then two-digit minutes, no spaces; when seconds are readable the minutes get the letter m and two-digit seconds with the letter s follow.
5h35
